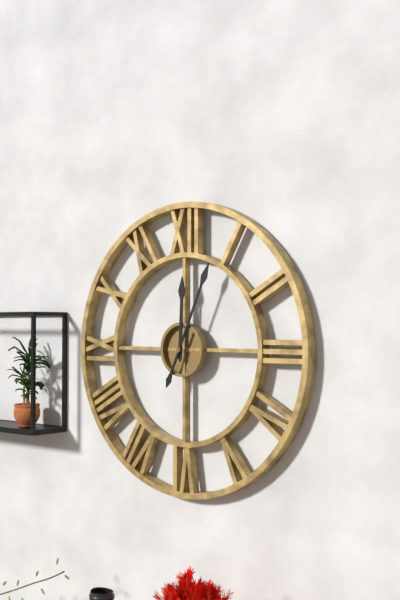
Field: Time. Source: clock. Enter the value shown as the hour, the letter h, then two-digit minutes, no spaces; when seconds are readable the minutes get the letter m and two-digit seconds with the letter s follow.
12h04
